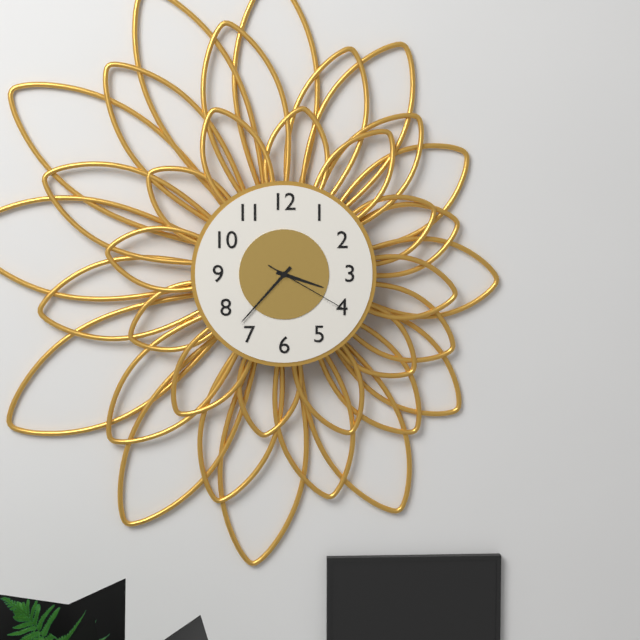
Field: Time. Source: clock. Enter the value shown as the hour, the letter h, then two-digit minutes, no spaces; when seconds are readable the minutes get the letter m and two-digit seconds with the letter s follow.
3h37m20s
